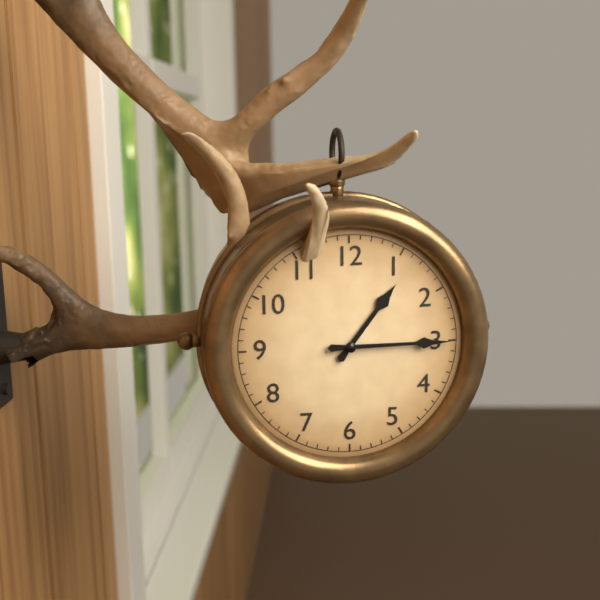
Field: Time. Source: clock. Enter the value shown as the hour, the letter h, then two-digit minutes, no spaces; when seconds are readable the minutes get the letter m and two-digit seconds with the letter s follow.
1h15
